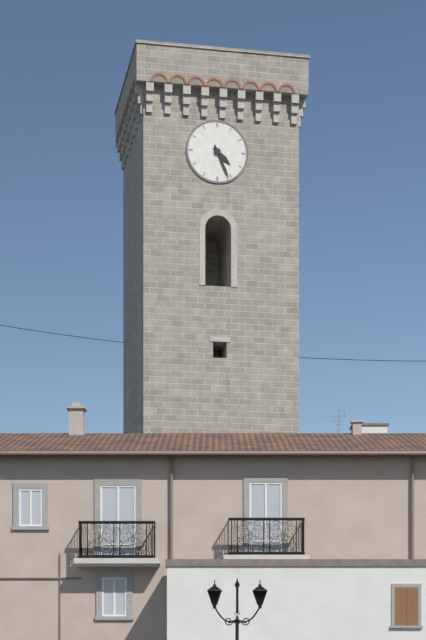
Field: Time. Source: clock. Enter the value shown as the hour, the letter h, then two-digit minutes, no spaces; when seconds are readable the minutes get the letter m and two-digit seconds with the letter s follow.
4h26
